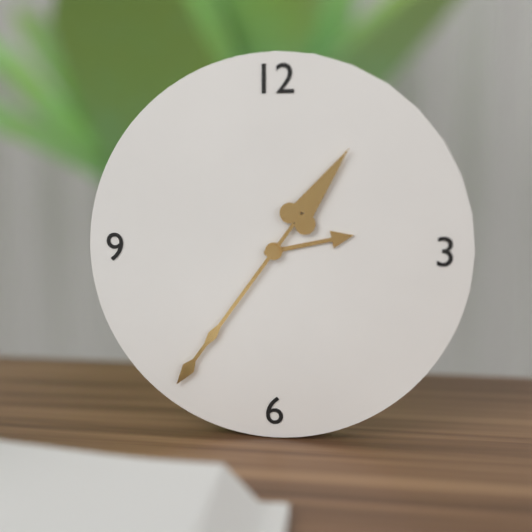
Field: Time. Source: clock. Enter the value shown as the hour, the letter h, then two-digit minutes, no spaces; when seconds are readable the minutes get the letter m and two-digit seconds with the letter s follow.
2h36
